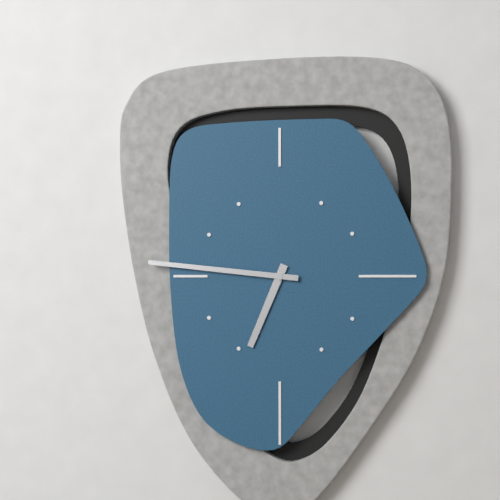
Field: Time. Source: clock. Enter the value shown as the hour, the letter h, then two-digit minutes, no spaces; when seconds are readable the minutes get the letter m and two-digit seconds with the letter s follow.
6h46
